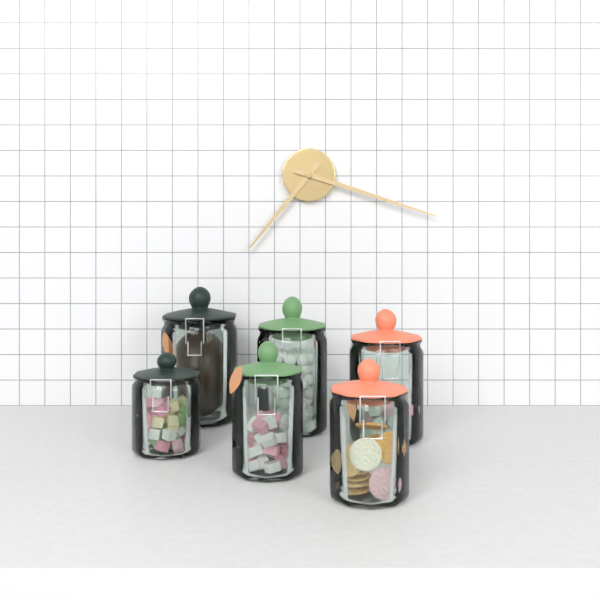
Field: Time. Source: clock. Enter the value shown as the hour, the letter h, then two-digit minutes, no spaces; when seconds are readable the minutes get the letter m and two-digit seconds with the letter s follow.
7h18
